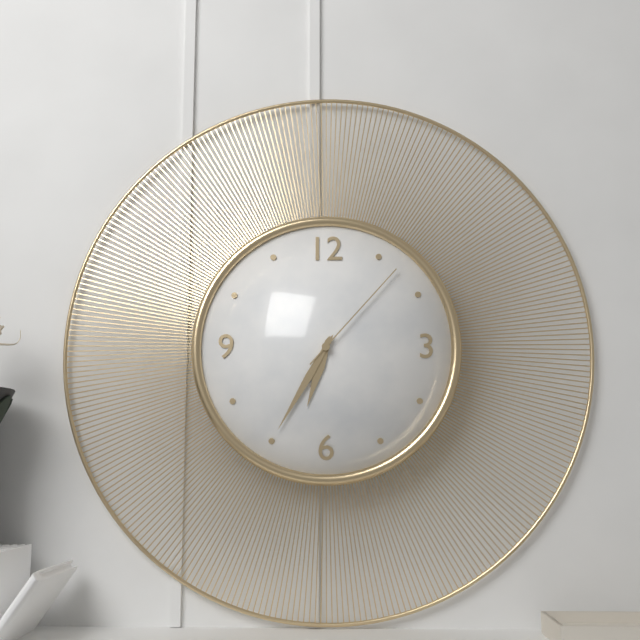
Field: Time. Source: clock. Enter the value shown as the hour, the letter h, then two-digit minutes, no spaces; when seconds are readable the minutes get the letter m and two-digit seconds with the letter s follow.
6h35m07s
